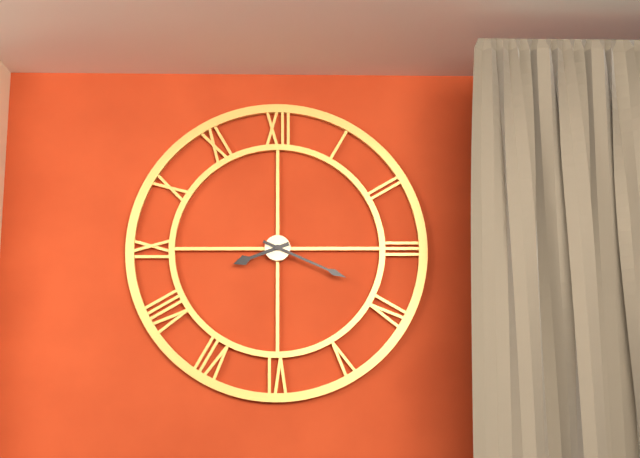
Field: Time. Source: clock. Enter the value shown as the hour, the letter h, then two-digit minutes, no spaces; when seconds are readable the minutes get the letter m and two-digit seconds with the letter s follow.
8h19
